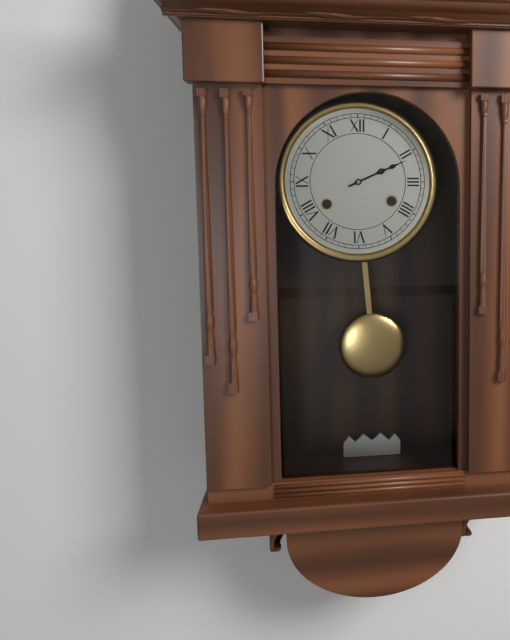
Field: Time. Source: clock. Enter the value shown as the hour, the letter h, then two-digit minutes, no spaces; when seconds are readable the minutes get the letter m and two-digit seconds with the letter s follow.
2h11
